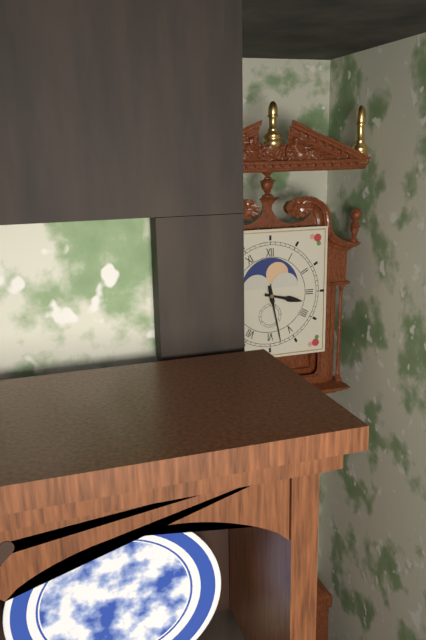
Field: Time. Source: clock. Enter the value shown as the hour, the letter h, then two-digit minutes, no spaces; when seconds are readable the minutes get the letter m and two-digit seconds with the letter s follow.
3h28
